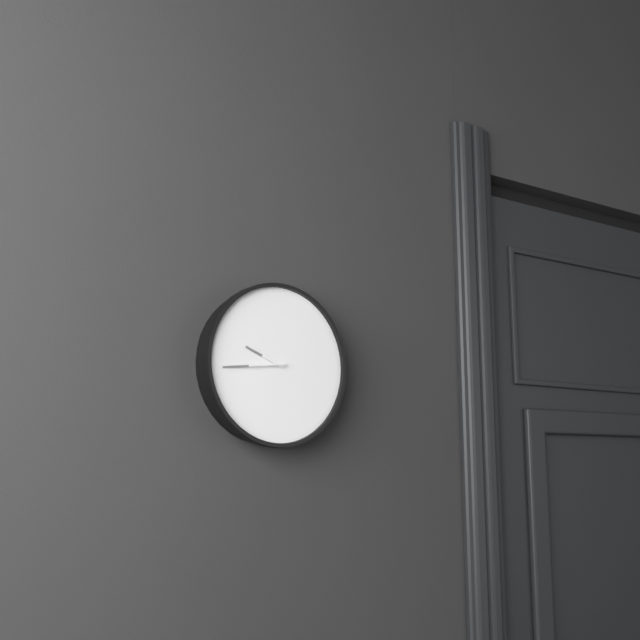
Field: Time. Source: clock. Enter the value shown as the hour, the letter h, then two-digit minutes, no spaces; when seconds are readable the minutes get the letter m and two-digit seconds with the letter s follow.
9h44
